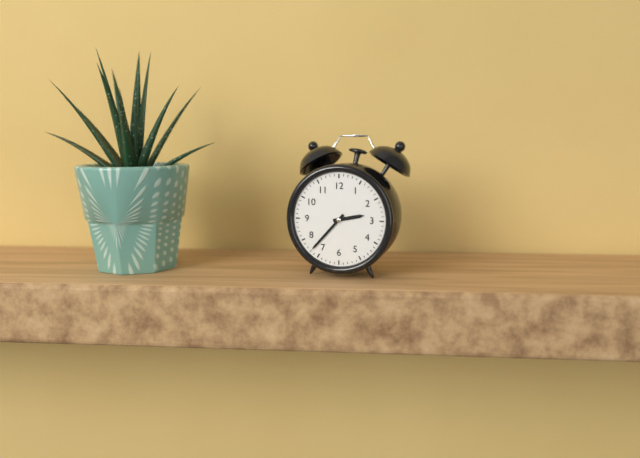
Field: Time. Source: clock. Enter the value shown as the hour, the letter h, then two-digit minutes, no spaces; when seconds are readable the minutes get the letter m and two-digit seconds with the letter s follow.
2h37
